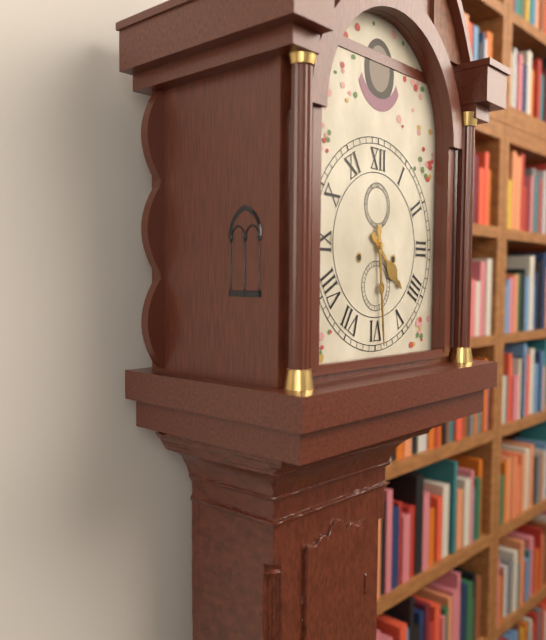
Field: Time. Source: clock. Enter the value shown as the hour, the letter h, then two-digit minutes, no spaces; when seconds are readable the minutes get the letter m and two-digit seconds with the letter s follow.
4h29
